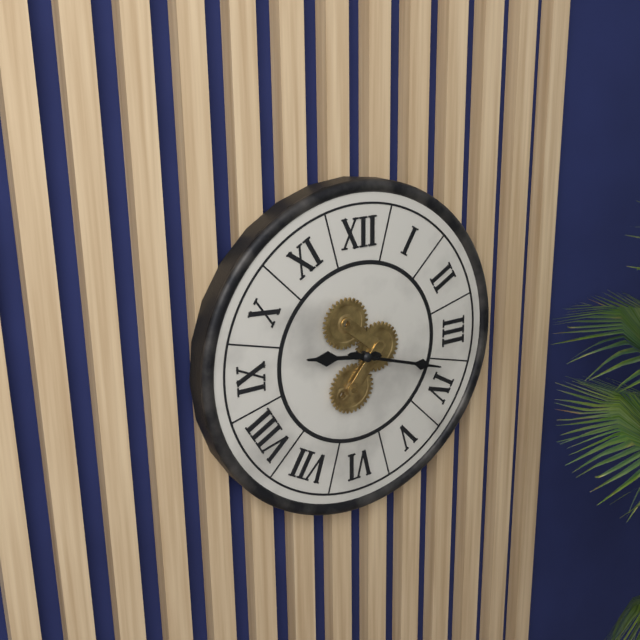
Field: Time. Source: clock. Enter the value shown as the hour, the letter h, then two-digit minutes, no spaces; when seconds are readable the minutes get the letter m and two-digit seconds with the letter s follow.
9h18
